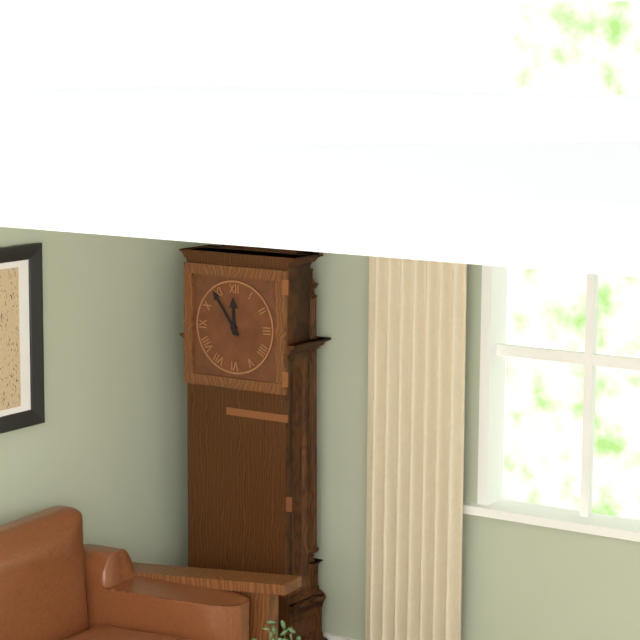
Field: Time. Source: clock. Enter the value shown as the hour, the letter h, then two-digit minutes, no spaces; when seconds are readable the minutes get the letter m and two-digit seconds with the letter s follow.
11h54
